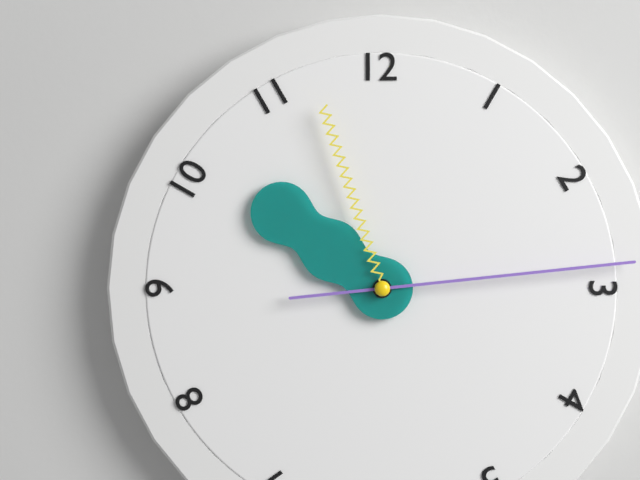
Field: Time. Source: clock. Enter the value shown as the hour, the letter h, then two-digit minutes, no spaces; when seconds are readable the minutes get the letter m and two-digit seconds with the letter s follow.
10h14m57s
